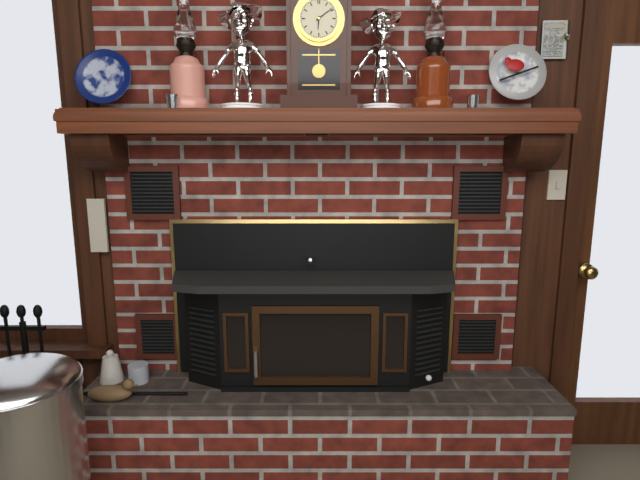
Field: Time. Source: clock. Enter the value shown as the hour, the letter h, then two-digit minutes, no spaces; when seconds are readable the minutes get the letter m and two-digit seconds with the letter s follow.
6h09
